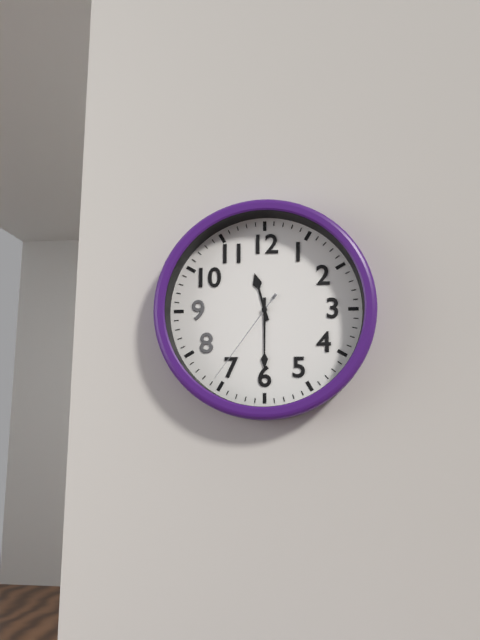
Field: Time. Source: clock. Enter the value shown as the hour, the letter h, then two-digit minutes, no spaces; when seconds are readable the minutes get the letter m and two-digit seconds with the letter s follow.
11h30m36s
